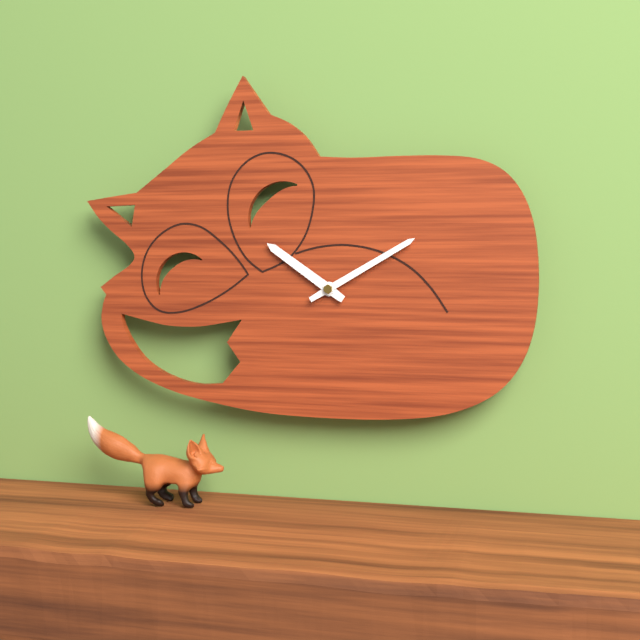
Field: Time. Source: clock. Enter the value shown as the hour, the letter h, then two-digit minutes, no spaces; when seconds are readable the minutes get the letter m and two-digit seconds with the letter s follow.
10h10
